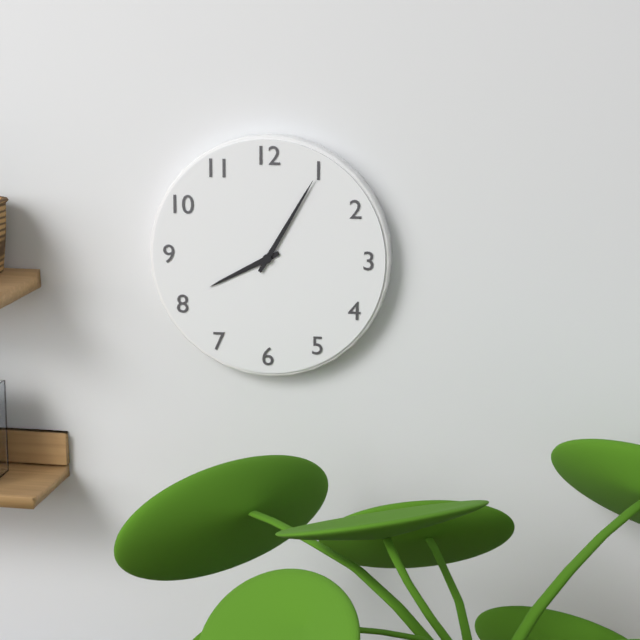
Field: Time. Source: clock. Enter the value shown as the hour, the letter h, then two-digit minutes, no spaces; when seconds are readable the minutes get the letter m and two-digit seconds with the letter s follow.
8h05
